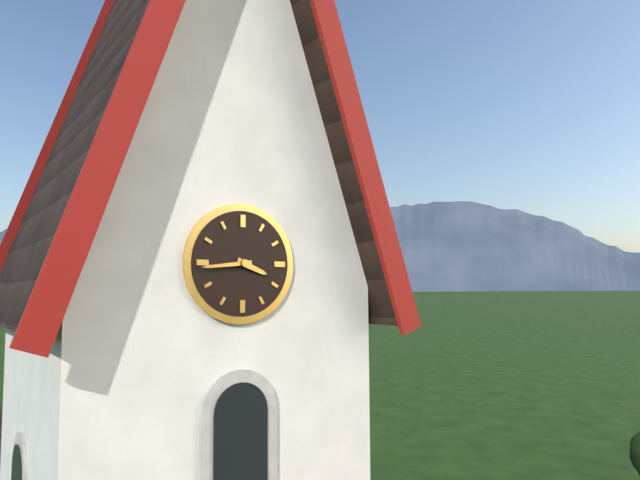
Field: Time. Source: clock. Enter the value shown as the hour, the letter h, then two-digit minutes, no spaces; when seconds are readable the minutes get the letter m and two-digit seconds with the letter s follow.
3h44
